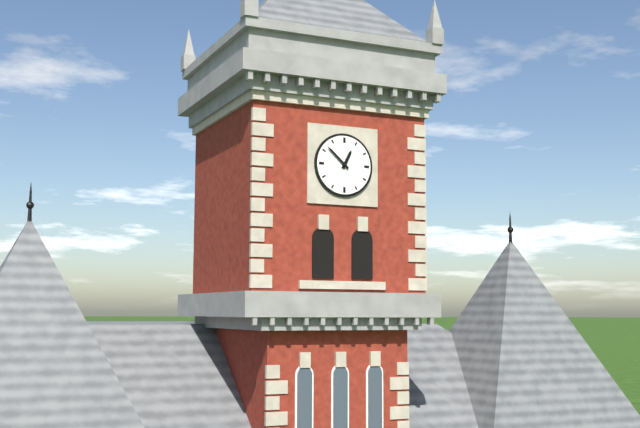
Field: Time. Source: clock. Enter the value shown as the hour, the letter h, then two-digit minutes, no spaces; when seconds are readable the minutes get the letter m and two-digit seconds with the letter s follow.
12h52
